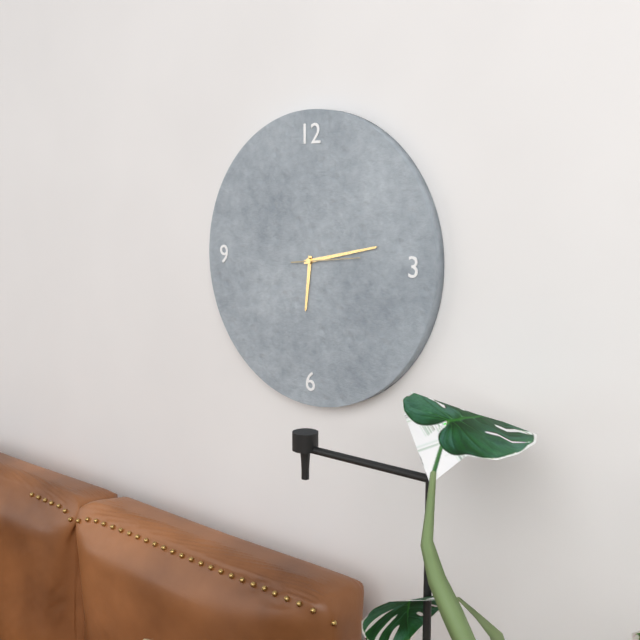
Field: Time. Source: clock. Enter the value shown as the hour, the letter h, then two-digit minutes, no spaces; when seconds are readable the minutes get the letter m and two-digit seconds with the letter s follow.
6h13m14s
